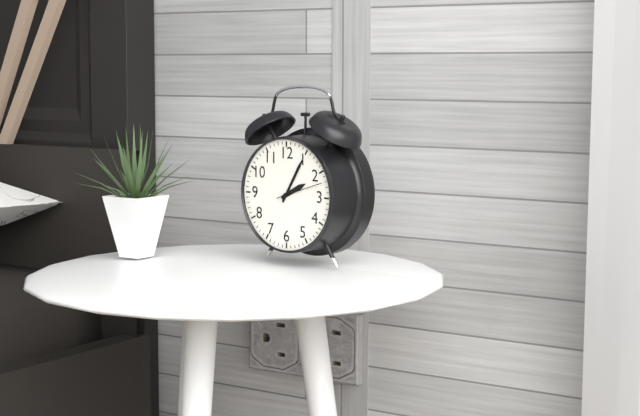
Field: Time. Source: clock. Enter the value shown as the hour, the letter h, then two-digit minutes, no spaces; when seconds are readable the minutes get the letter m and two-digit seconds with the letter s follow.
2h05
